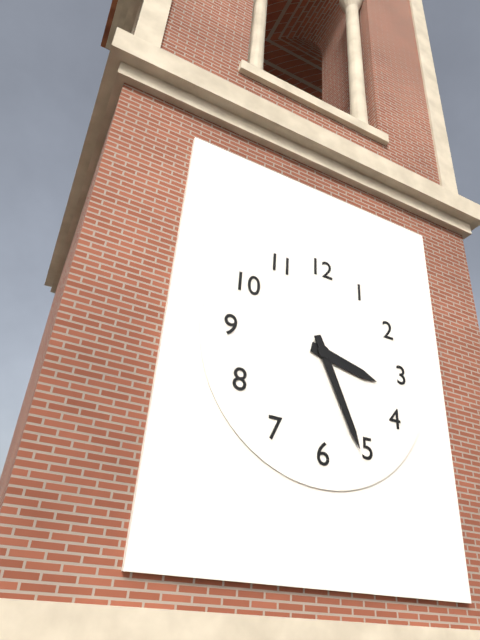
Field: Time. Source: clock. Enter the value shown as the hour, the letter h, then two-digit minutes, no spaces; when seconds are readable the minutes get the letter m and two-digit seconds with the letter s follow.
3h26
